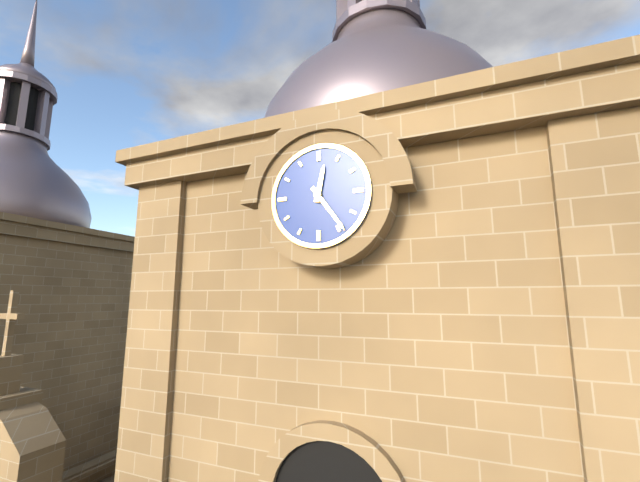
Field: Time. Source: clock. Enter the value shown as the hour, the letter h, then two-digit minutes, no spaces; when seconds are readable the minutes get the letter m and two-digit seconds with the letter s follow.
12h24
